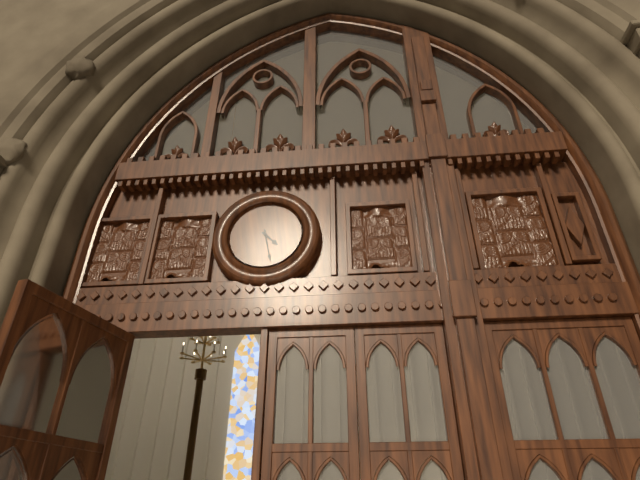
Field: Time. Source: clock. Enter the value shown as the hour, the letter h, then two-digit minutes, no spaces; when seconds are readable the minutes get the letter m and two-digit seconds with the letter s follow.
4h28
